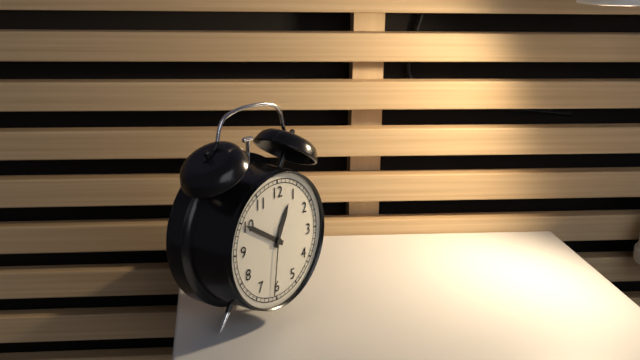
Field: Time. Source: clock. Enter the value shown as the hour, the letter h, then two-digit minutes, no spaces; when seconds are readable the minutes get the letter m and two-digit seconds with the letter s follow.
12h50m31s
